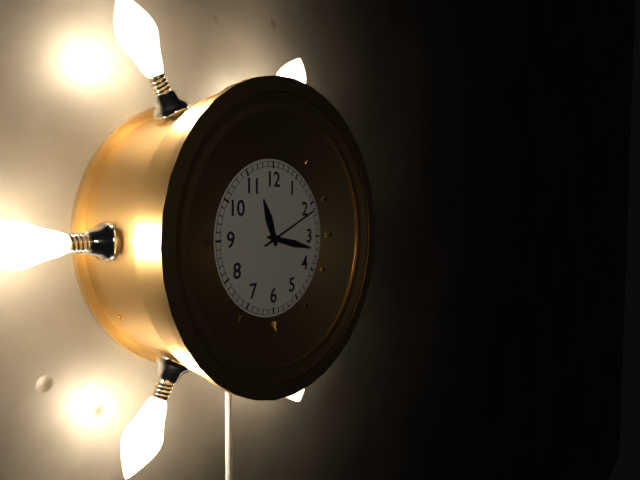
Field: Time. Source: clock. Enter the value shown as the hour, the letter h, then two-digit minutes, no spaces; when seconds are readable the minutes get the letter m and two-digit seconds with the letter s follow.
11h17m11s
